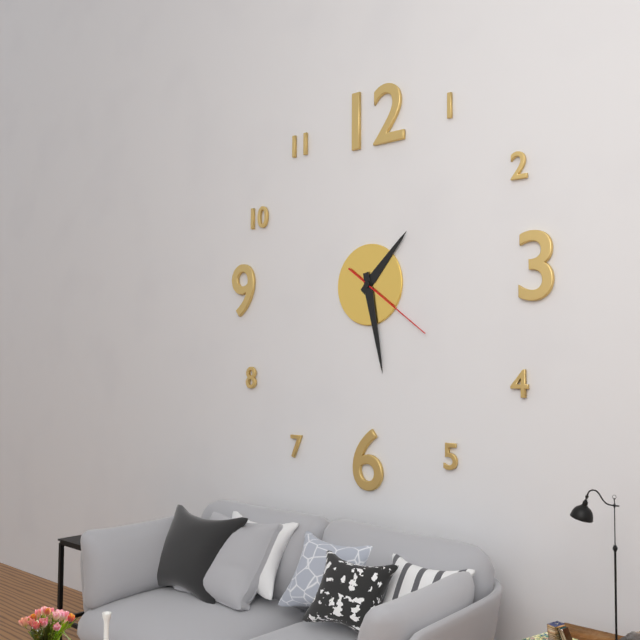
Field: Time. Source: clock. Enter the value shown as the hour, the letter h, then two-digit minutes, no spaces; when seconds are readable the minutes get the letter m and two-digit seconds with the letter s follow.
1h28m21s
